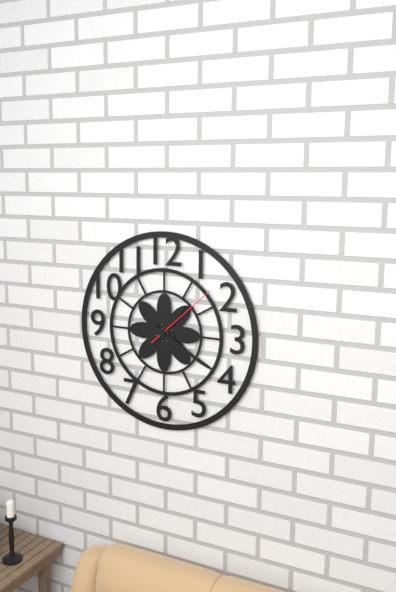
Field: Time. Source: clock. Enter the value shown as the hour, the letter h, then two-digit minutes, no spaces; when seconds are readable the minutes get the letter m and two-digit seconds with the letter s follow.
1h20m08s
